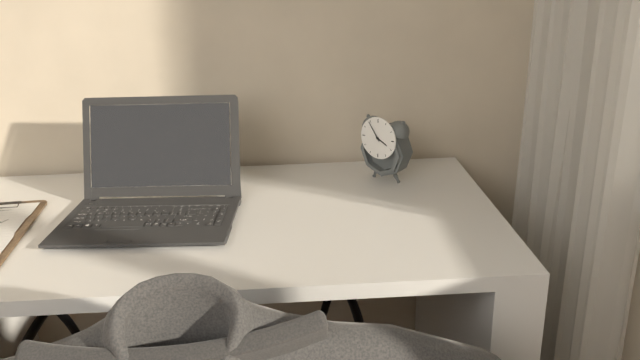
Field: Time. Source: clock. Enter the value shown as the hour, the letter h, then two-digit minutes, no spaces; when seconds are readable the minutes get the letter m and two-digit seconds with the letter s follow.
3h54
